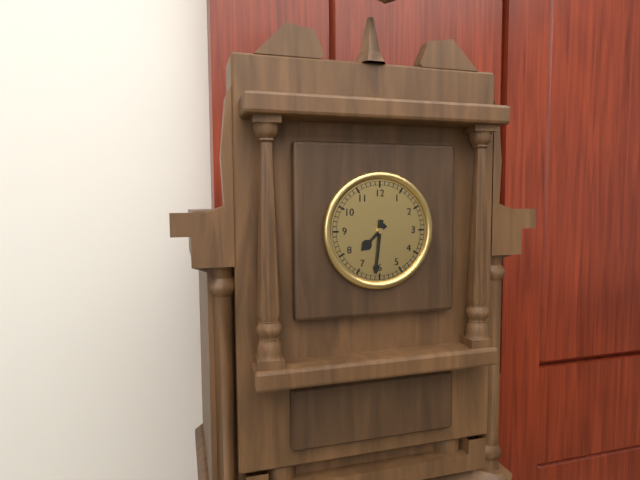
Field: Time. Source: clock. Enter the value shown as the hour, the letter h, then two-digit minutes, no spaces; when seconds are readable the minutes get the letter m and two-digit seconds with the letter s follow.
7h31
